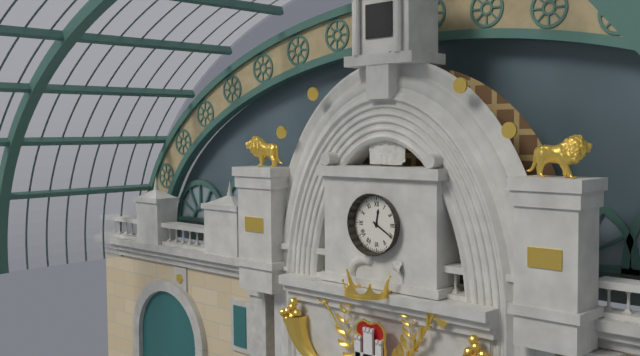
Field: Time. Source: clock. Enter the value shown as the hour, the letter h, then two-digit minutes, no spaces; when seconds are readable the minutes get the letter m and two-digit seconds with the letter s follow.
12h20
